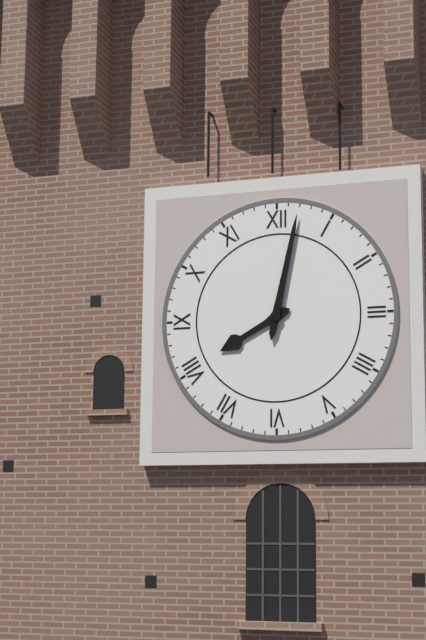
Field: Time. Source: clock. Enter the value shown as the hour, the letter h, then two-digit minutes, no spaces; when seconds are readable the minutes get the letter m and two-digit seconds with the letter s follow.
8h02
